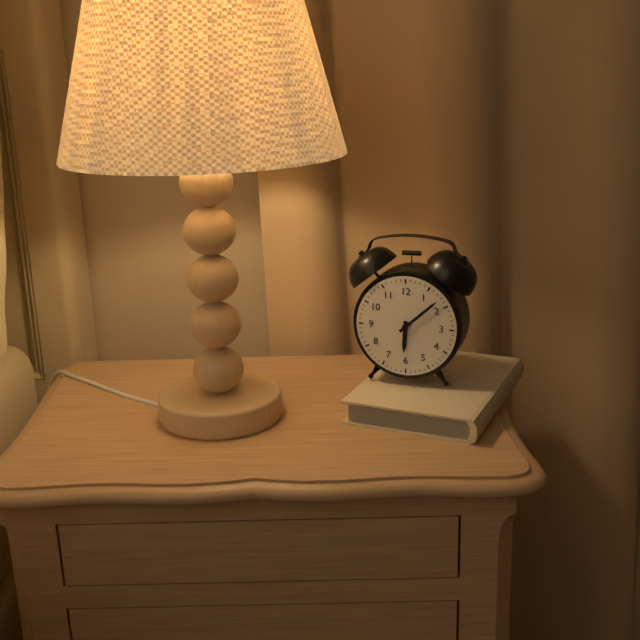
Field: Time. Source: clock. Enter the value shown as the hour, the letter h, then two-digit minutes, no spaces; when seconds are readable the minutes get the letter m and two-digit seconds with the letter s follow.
6h08
